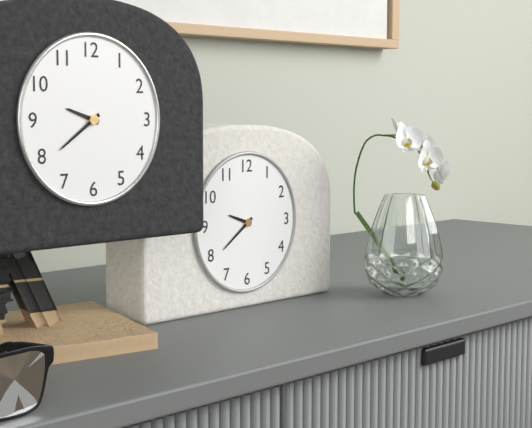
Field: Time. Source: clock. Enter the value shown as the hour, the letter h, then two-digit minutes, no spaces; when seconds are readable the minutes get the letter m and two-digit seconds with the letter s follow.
9h39
